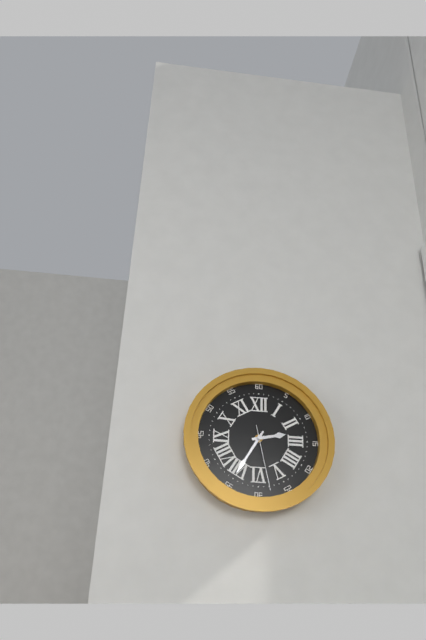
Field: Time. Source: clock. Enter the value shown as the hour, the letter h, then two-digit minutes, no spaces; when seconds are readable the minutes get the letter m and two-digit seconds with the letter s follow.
2h35m28s
